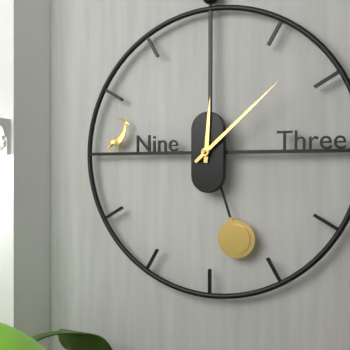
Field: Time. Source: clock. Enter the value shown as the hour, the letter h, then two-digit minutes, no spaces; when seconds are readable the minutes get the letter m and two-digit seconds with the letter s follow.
12h08
